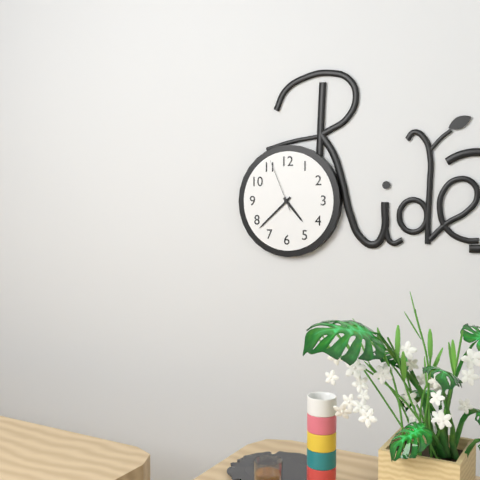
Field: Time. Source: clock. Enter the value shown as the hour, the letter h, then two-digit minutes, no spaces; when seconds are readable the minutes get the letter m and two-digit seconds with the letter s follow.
4h38m56s
